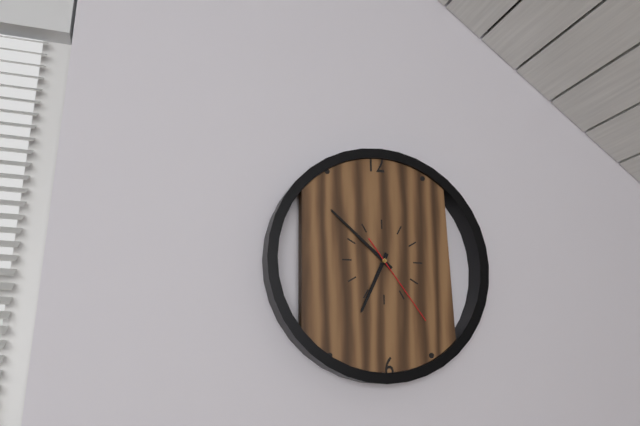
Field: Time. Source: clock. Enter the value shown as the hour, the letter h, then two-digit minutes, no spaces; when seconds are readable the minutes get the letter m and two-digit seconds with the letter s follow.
6h52m24s
